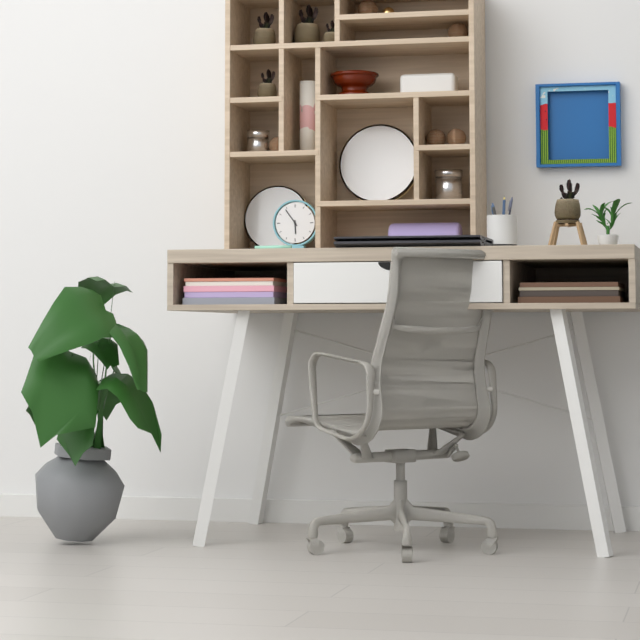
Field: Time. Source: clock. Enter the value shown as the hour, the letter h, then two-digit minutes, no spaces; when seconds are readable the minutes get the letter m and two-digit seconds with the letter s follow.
5h54
